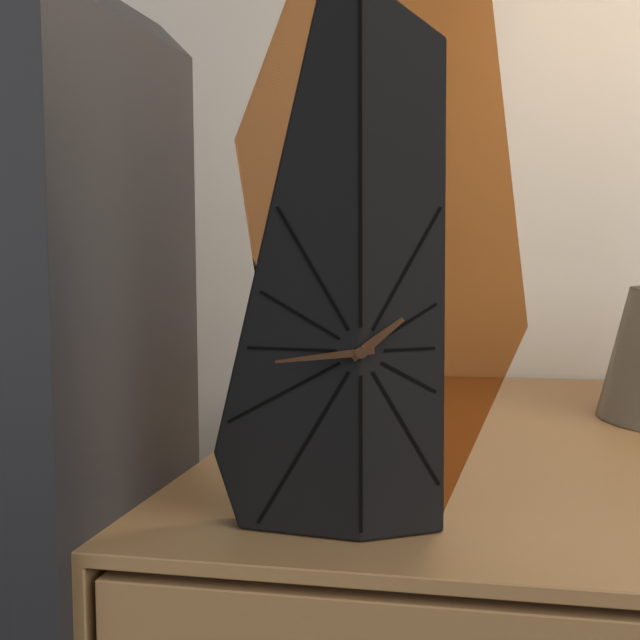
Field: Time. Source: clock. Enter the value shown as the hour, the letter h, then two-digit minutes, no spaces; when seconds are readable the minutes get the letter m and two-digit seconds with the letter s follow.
1h44
